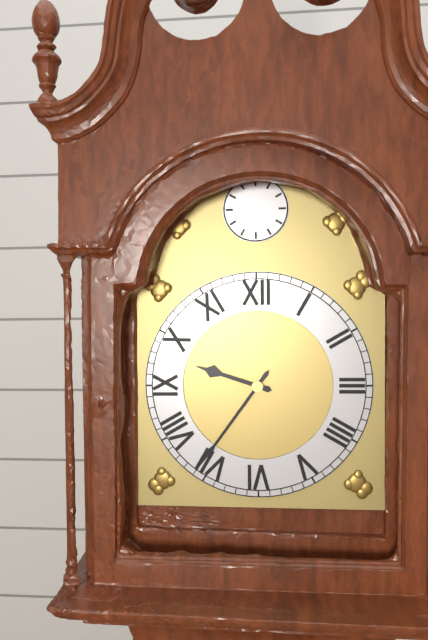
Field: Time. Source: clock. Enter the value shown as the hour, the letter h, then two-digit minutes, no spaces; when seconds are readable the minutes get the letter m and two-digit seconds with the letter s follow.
9h36
